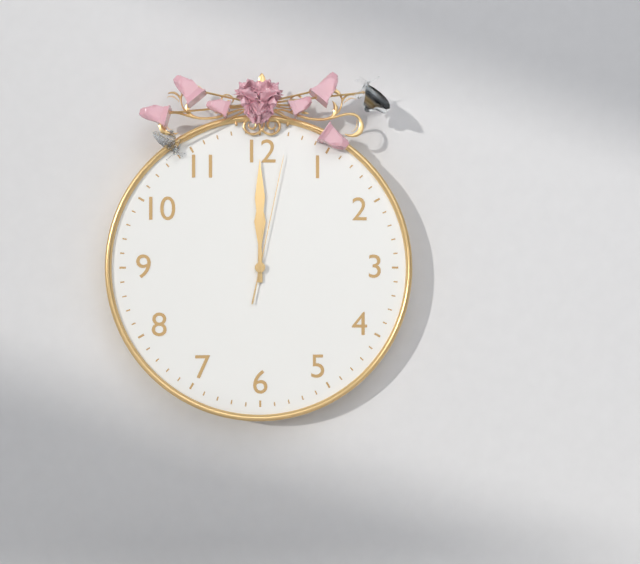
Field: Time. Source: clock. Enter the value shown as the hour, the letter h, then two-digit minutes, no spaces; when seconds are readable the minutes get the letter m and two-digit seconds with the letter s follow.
12h00m02s
